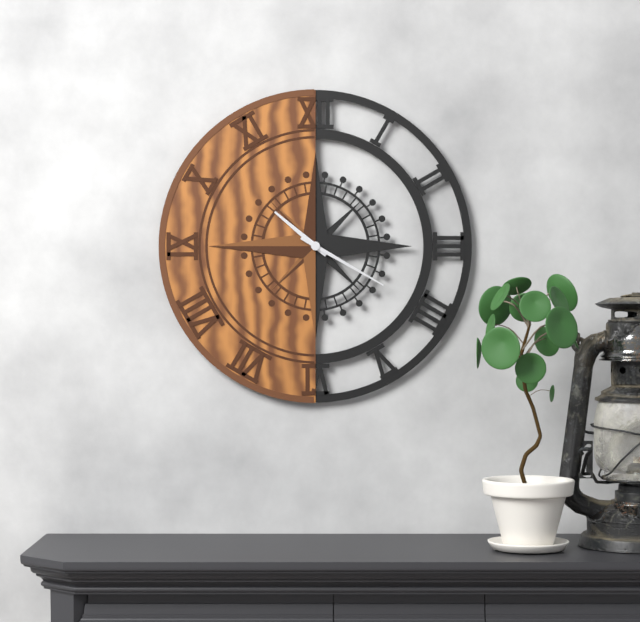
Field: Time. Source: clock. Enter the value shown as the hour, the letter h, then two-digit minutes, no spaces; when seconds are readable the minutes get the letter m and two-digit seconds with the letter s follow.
10h20
